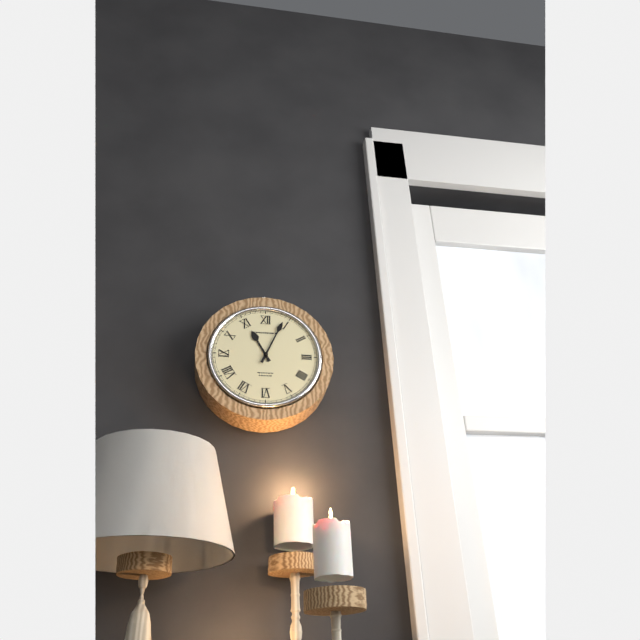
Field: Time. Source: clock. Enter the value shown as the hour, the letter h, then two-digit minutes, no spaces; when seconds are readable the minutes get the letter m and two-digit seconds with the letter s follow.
11h04
